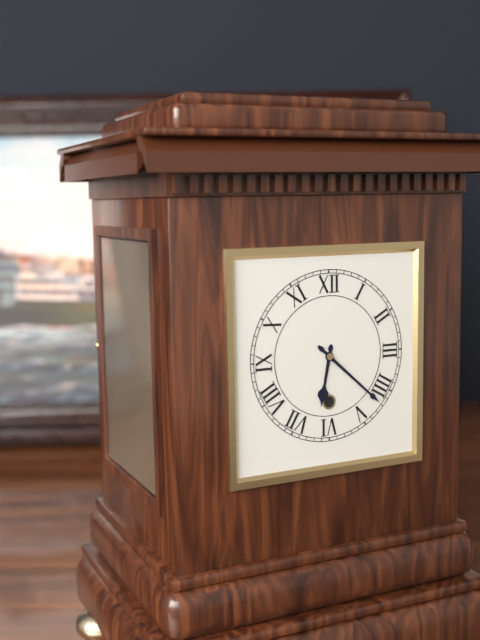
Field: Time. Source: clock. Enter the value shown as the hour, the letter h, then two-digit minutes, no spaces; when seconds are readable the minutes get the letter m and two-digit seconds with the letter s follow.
6h22
